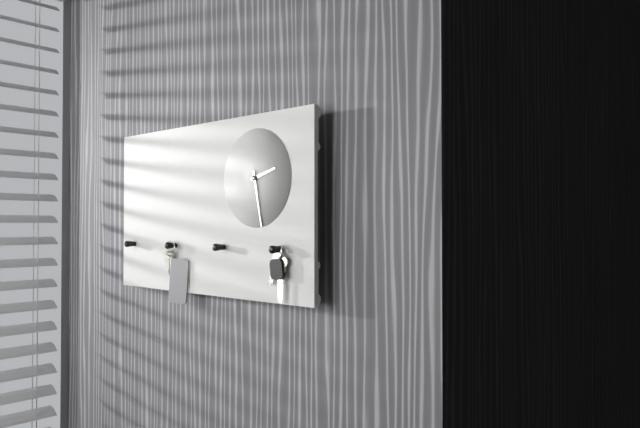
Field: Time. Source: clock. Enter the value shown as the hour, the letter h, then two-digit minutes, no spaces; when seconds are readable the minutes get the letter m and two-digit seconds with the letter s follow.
2h28
